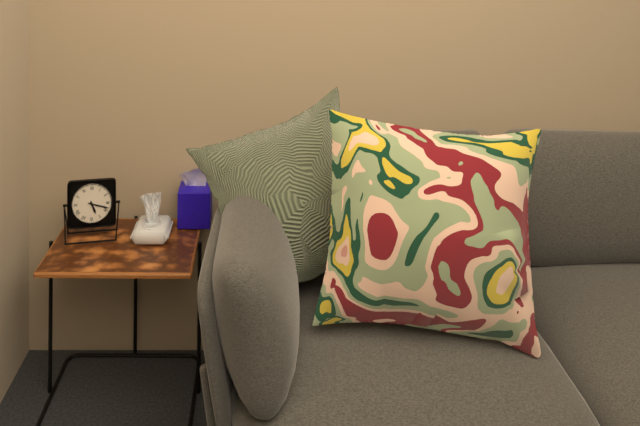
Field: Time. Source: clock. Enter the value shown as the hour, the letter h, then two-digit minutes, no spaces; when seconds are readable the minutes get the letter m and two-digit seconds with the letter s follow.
5h18
